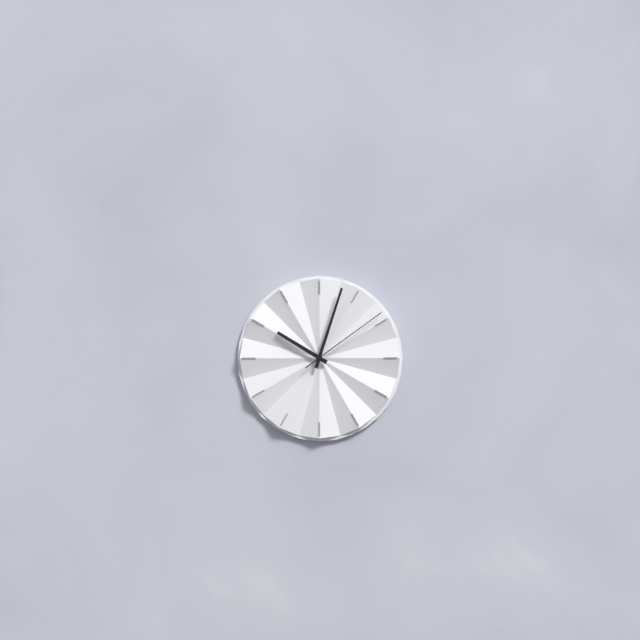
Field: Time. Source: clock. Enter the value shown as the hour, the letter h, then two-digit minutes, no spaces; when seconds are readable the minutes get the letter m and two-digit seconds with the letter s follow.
10h03m09s
